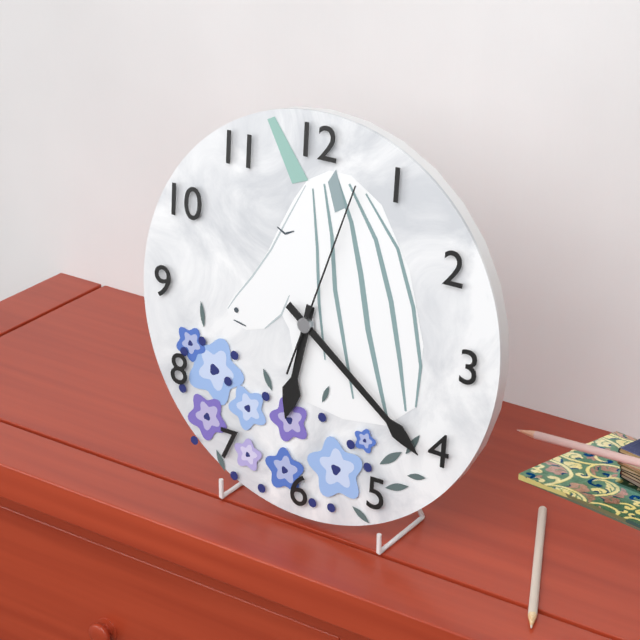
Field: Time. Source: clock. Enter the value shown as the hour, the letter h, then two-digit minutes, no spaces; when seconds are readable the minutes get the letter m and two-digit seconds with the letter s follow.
6h21m03s
